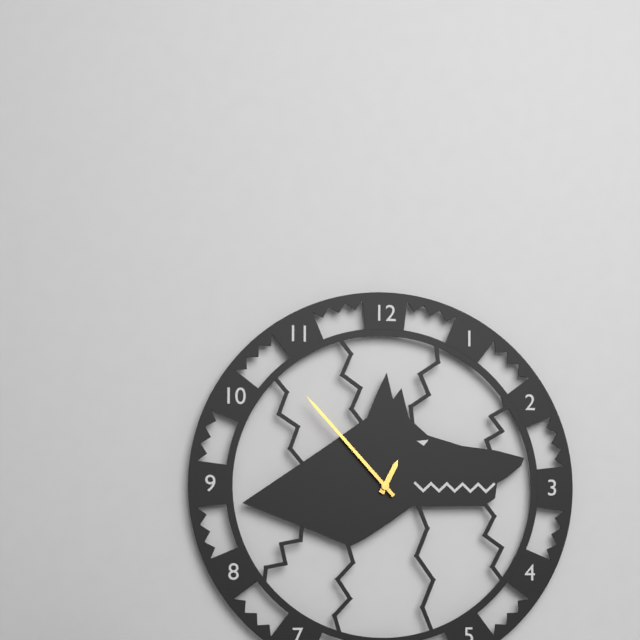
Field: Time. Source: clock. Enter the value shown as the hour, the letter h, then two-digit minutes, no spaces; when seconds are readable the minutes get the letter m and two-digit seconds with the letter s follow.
12h53
